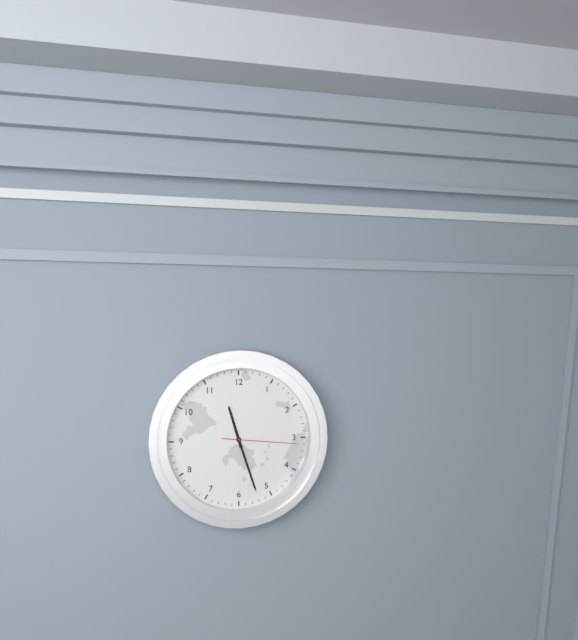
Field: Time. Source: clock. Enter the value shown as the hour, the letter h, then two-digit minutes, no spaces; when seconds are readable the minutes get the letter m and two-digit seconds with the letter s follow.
11h27m16s
